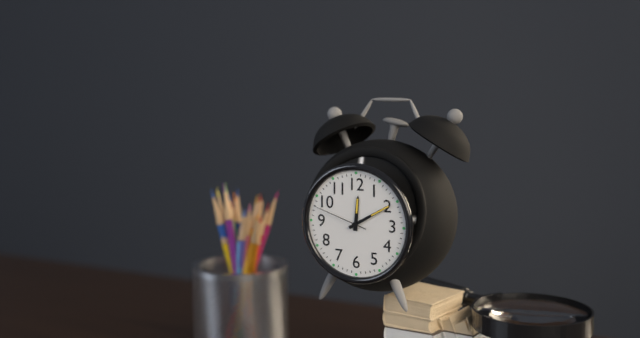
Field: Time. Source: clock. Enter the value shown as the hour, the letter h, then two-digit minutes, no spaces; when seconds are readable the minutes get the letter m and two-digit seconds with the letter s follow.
12h10m48s
